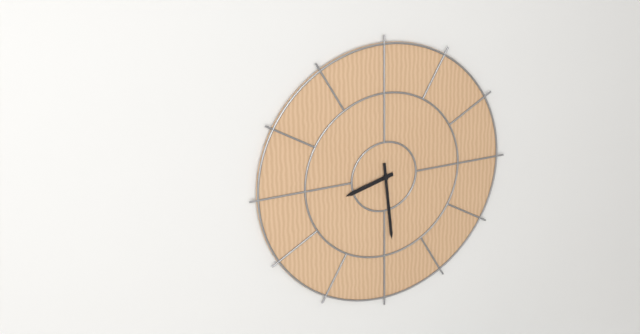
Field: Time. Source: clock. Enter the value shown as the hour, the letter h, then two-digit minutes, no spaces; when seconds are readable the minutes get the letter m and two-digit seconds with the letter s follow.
8h29
